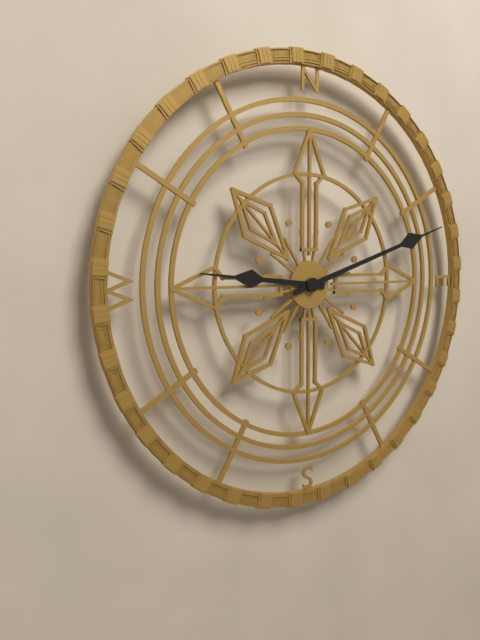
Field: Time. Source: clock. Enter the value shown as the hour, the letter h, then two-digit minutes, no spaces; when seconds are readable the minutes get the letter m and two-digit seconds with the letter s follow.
9h12
